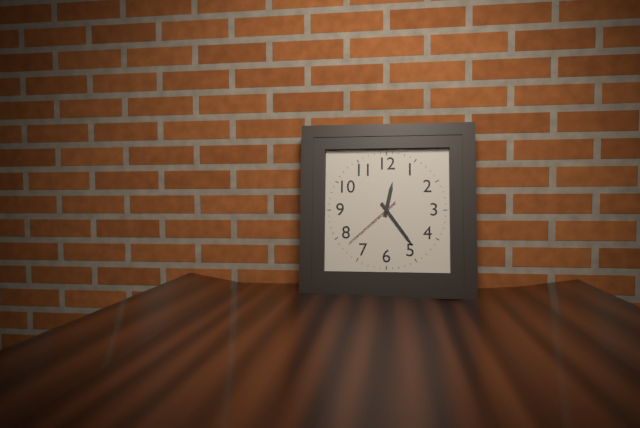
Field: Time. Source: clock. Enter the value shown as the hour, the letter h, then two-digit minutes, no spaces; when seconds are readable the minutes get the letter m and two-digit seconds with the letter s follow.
12h24m38s
